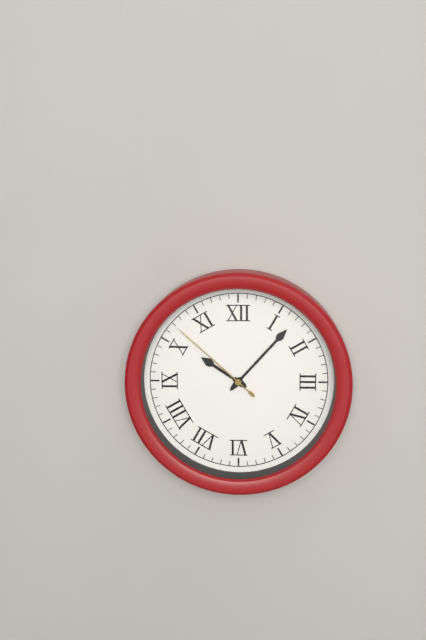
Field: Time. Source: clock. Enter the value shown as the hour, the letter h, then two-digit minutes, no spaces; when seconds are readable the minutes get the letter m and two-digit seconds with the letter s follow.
10h07m52s
